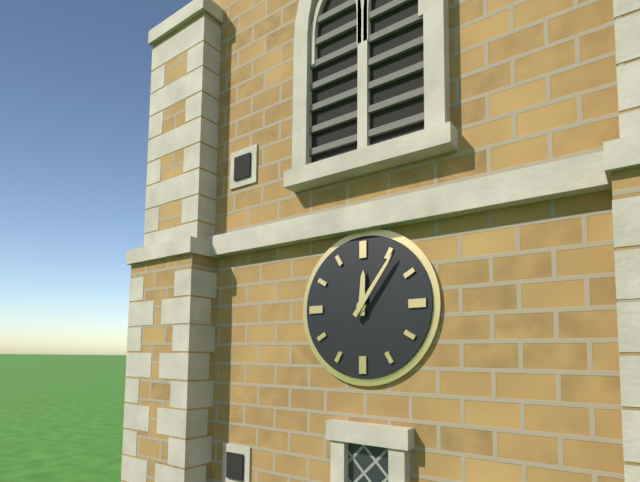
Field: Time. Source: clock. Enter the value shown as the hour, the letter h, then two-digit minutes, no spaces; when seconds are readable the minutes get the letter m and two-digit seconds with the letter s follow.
12h06
